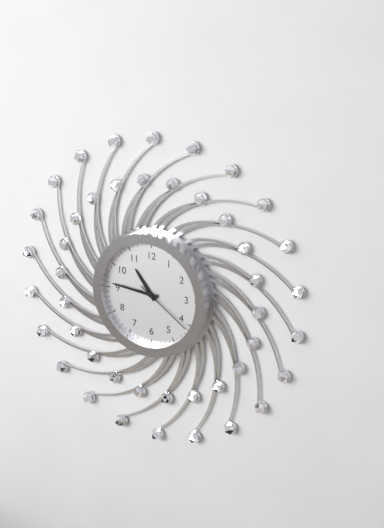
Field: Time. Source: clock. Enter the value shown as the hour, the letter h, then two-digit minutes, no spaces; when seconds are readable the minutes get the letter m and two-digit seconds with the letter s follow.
10h46m21s
